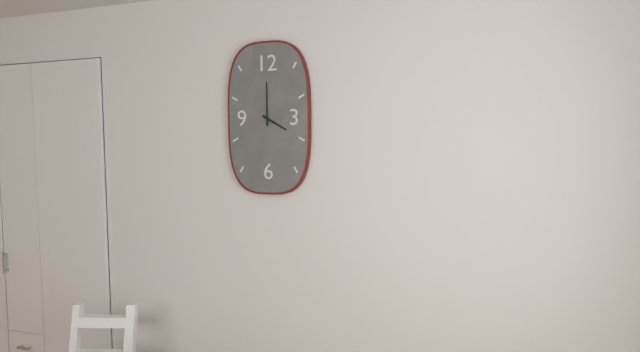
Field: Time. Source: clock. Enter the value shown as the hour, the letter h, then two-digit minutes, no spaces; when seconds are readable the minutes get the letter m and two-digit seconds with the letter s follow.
4h00
